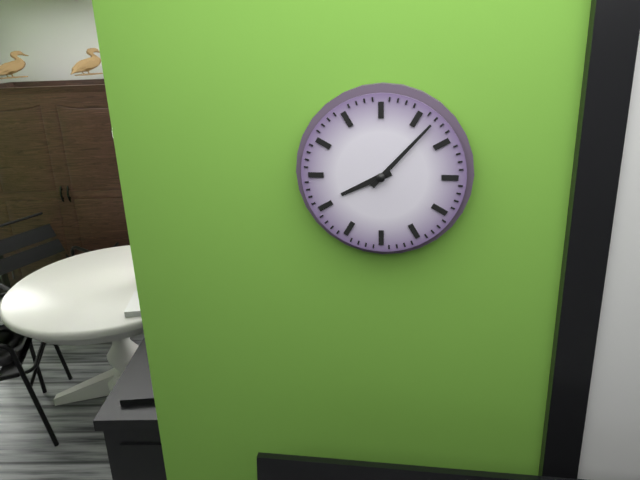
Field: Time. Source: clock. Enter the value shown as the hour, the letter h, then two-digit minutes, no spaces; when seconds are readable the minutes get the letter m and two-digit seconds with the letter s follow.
8h07
